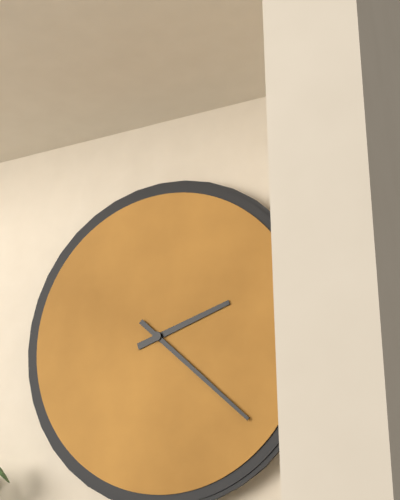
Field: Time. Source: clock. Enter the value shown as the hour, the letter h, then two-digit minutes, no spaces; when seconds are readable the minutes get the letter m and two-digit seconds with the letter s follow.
2h22
